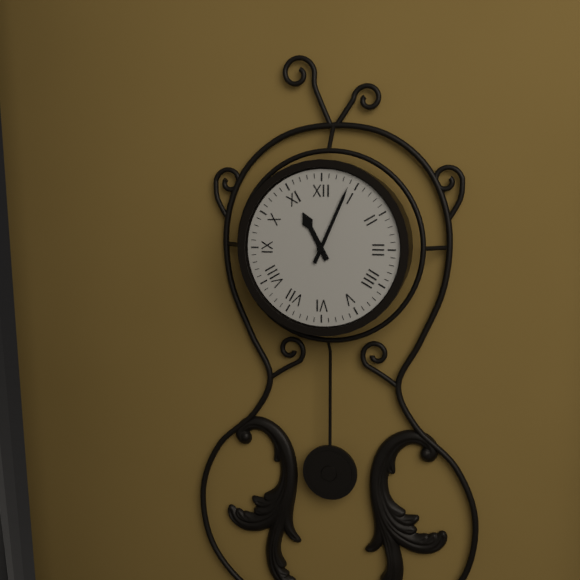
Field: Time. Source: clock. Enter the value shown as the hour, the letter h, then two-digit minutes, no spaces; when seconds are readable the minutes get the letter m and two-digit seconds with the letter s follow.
11h04
